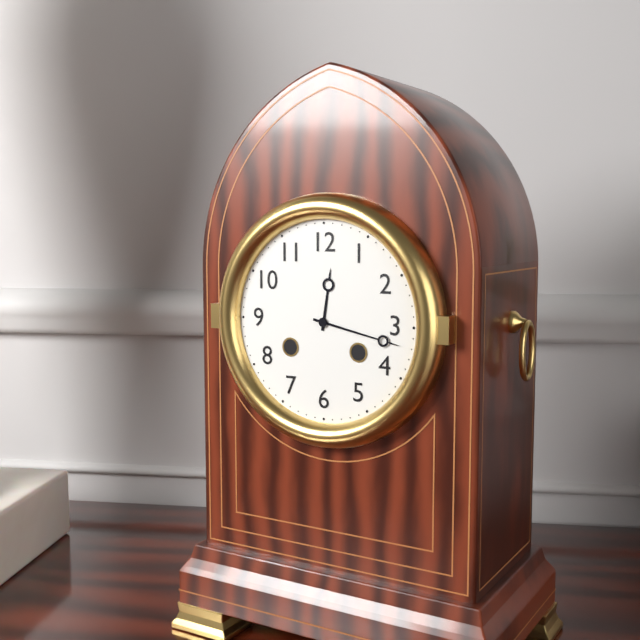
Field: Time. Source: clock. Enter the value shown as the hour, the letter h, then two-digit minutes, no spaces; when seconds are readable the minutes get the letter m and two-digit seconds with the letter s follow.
12h17
